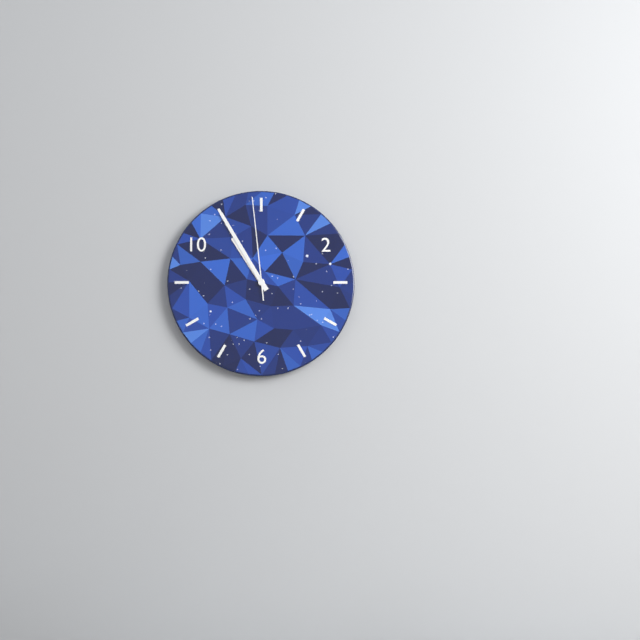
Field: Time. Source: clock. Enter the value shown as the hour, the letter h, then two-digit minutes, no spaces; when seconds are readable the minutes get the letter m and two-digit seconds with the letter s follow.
10h55m59s
